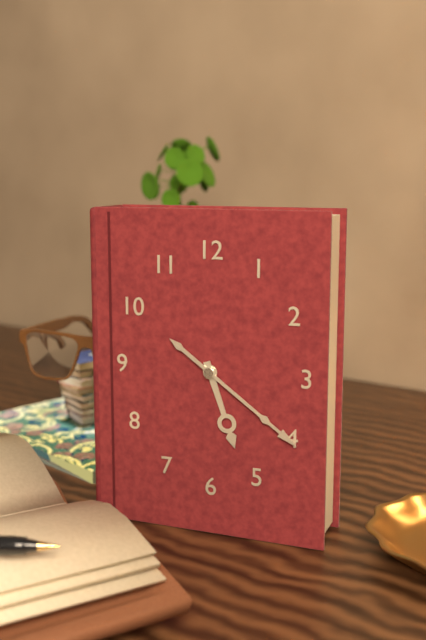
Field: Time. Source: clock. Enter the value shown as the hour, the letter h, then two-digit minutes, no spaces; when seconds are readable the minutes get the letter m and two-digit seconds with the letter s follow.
5h21
